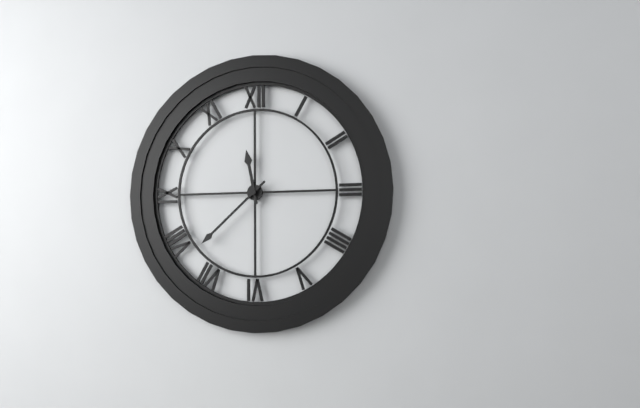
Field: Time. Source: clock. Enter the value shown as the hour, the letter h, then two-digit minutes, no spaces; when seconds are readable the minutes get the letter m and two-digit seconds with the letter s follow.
11h38
